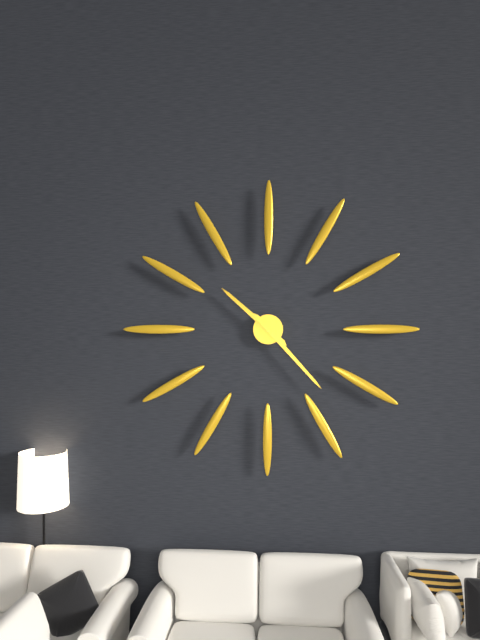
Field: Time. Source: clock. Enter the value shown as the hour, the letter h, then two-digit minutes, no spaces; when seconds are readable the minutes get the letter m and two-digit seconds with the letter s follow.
10h23
